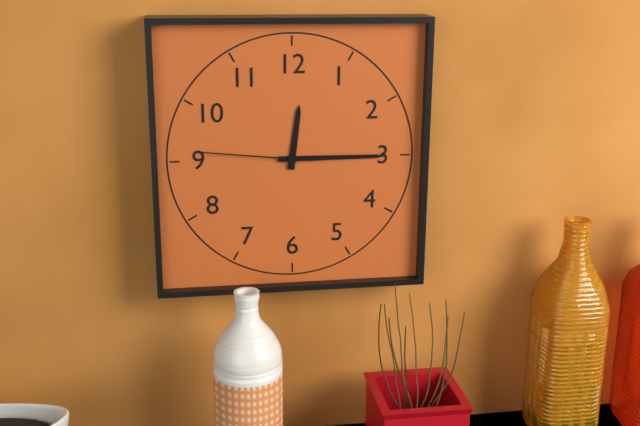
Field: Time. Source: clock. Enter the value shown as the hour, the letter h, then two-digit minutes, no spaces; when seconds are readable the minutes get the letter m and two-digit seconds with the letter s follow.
12h15m46s
